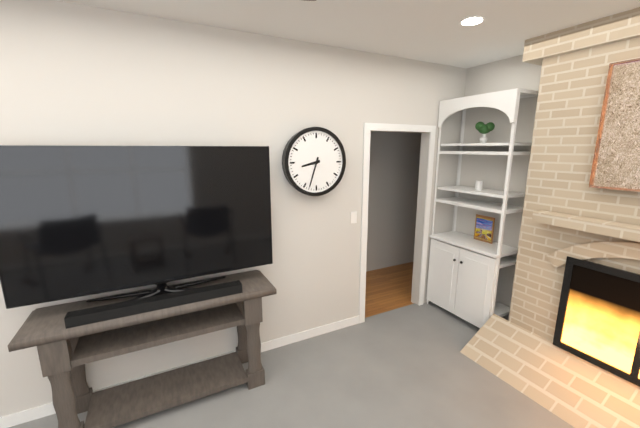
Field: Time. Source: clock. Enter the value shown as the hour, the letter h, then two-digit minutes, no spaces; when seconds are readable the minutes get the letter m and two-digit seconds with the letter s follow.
8h33
